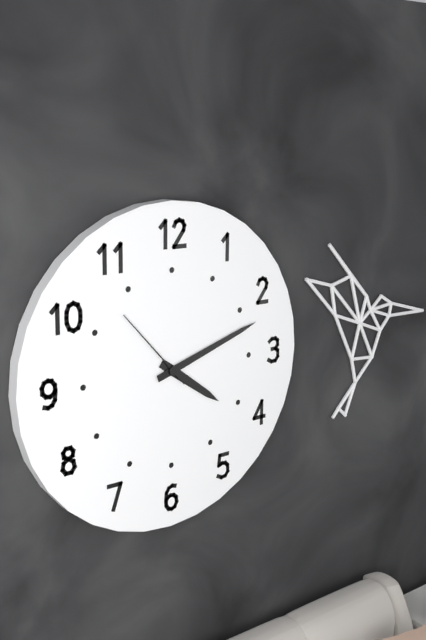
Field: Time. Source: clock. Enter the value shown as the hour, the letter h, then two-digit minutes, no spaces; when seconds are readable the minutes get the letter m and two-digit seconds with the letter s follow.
4h12m53s
